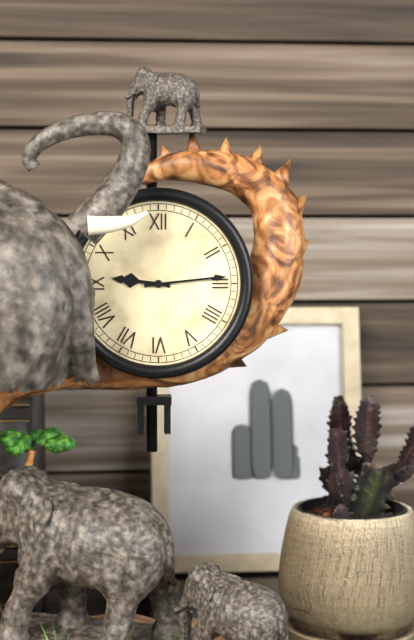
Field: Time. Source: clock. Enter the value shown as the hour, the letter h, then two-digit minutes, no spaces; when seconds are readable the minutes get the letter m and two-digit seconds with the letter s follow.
9h14
